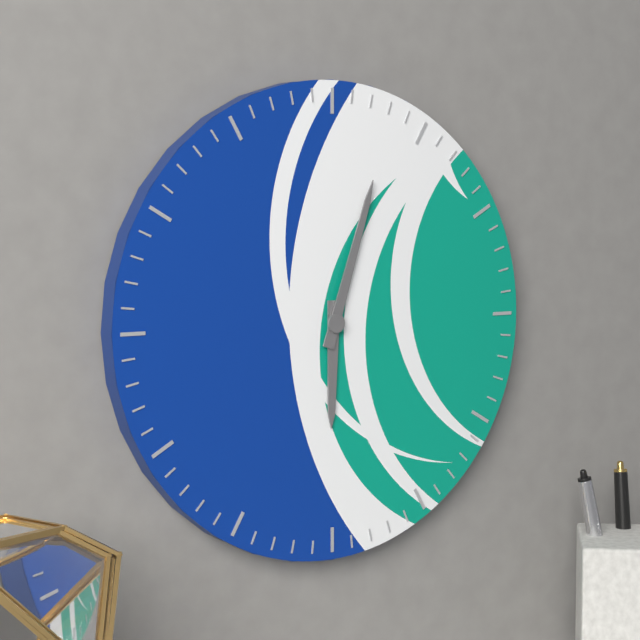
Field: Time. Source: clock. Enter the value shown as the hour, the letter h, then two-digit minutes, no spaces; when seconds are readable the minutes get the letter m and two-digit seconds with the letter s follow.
6h03
